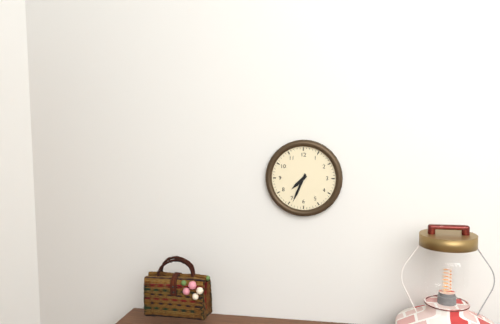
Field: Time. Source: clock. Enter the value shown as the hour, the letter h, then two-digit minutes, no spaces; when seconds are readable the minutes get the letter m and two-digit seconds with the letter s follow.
7h34
